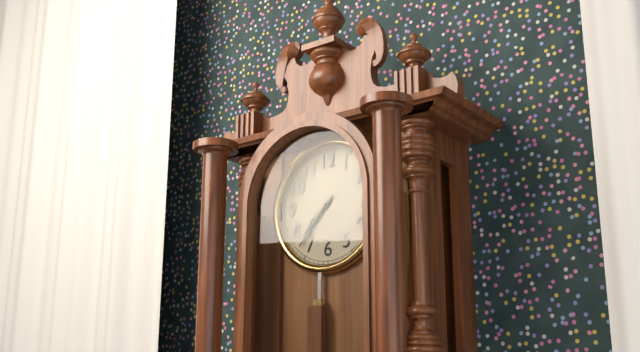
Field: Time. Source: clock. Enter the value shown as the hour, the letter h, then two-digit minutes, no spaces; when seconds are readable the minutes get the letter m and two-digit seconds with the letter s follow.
7h37
